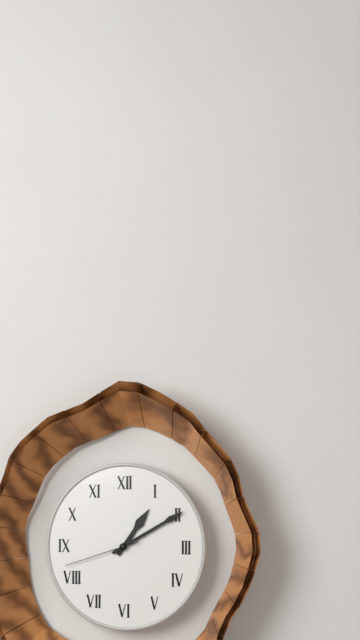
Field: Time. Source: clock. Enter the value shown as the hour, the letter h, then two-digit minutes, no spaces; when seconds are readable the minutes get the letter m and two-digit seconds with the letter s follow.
1h10m42s
